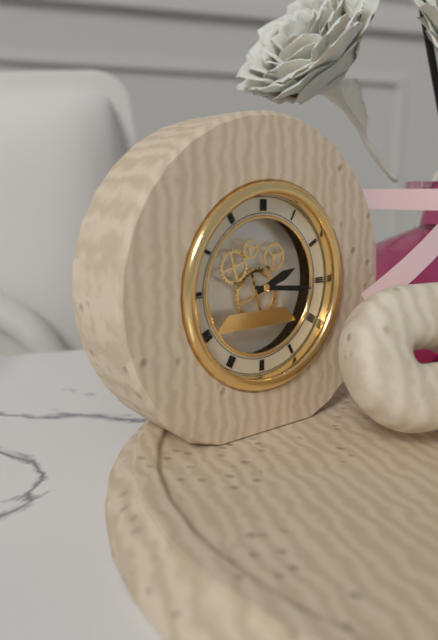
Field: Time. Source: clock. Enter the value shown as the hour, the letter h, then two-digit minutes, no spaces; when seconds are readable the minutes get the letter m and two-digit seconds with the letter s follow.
2h16
